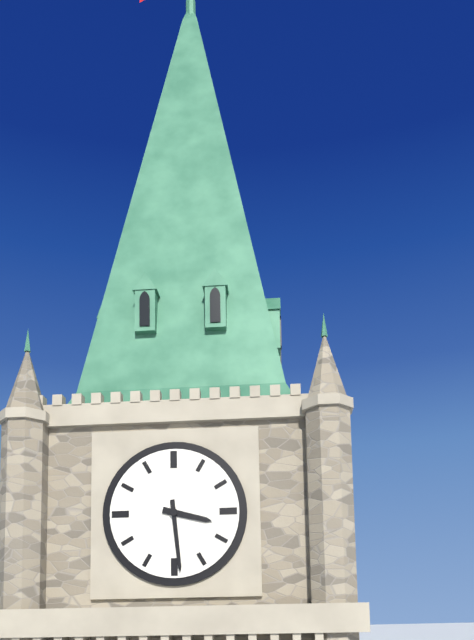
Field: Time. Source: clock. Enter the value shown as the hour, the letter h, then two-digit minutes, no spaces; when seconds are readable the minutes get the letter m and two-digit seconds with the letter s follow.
3h29
